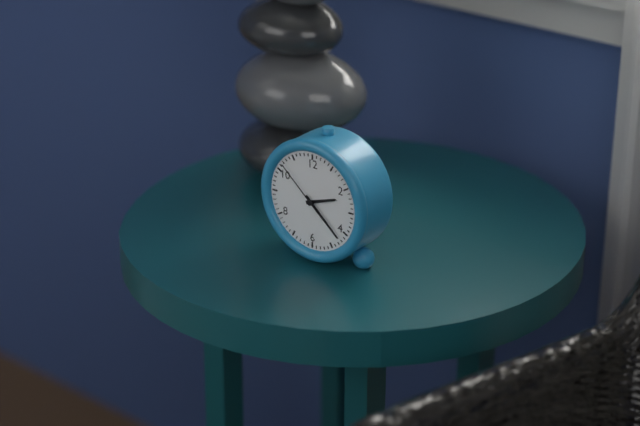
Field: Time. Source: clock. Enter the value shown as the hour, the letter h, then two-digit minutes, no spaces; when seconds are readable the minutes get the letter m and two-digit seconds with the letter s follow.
2h22m52s
